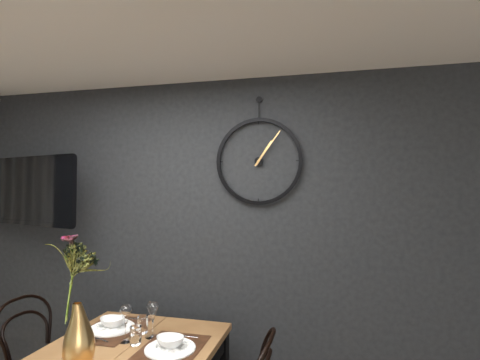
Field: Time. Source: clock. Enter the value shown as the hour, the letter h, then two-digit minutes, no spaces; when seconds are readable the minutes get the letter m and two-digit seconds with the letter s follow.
1h06
